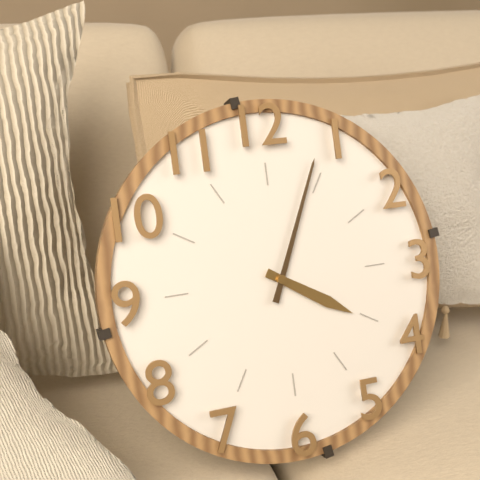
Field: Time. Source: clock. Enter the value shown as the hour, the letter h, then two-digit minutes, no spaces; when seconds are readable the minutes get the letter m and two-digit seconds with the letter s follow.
4h04
